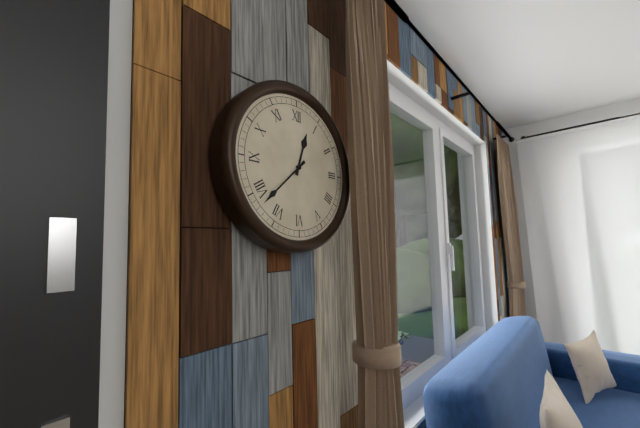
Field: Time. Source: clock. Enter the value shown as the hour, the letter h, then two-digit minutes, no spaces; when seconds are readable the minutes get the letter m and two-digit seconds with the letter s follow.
12h38
